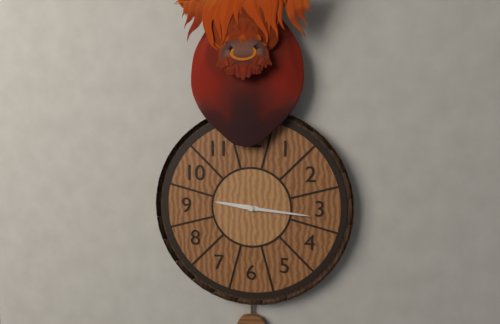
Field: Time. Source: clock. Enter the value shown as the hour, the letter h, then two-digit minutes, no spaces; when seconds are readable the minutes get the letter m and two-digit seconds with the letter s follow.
9h16
